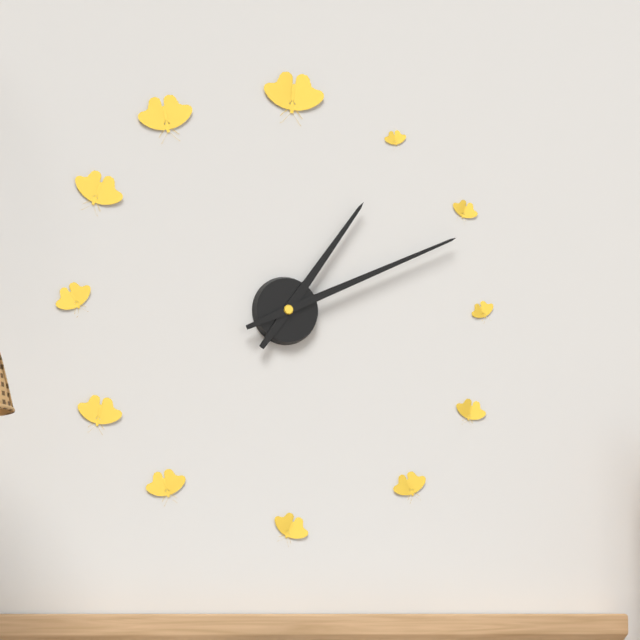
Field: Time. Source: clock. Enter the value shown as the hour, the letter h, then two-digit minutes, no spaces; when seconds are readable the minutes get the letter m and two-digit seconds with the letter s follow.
1h11
